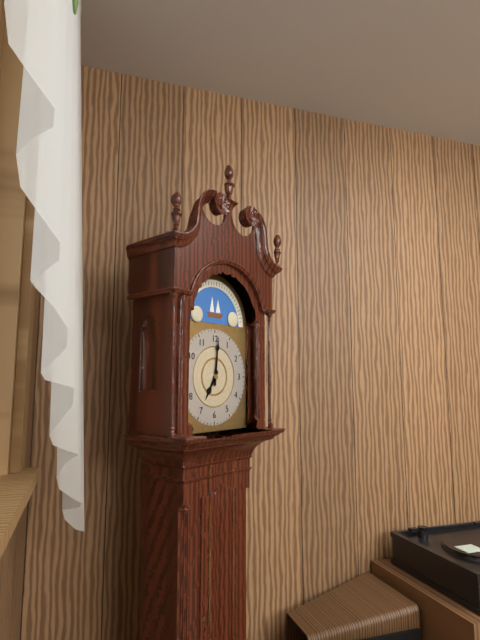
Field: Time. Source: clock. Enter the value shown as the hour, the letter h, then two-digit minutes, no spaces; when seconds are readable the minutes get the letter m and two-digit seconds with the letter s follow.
7h01
